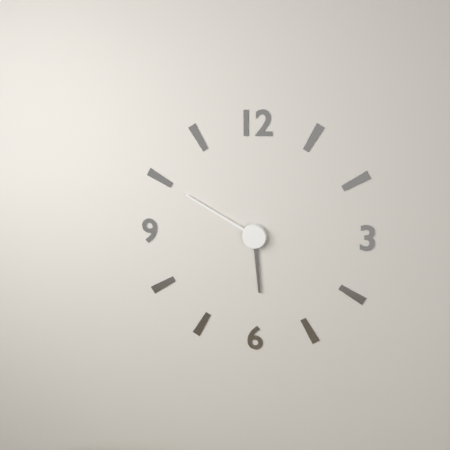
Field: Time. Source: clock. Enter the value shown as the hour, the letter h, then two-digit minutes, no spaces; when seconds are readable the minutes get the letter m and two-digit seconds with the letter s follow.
5h50
